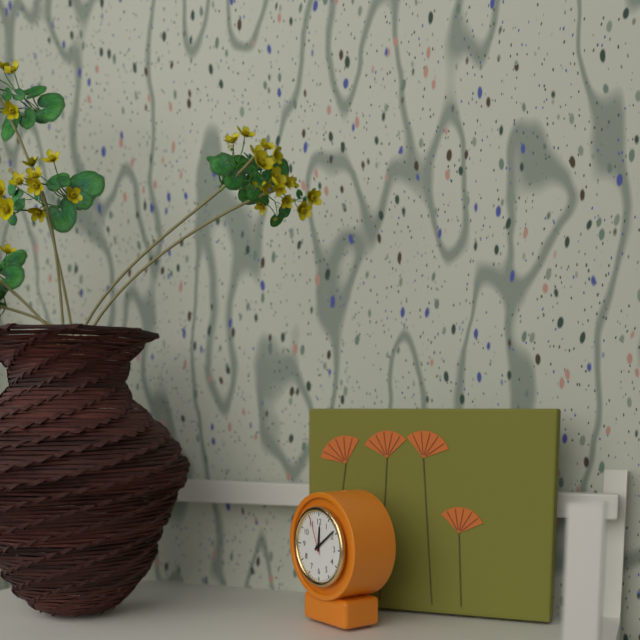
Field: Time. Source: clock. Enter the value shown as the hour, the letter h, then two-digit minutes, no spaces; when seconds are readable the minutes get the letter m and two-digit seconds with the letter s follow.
12h09
